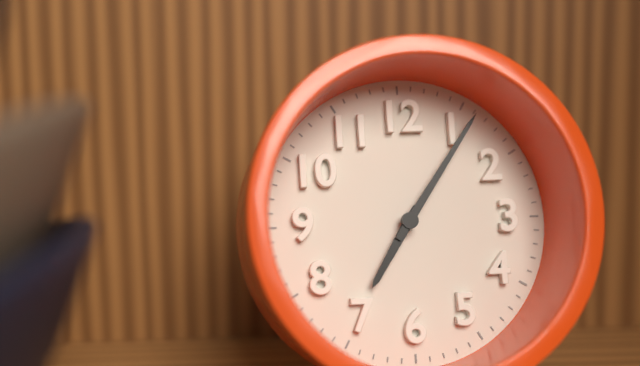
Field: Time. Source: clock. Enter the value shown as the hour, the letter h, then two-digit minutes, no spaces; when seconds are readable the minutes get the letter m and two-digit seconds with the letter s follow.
7h06
